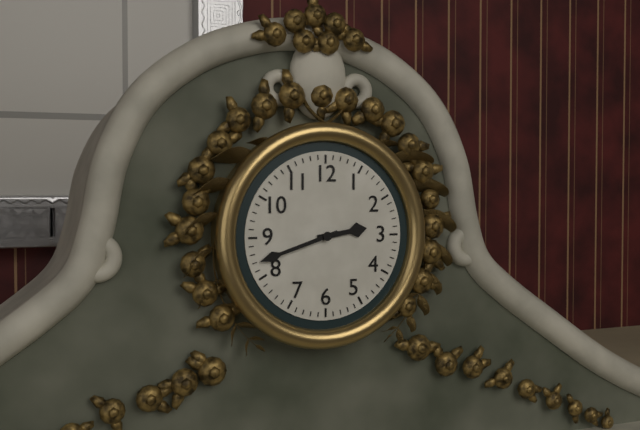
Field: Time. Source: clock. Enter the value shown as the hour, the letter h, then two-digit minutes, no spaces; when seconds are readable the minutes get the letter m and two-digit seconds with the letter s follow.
2h42
